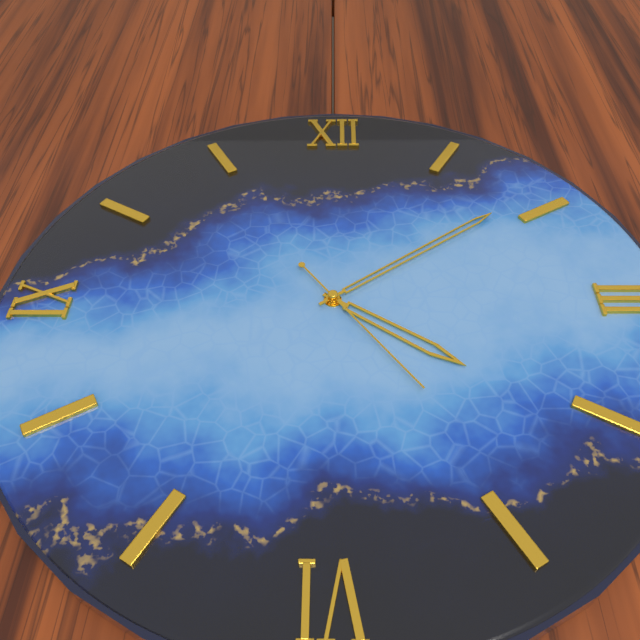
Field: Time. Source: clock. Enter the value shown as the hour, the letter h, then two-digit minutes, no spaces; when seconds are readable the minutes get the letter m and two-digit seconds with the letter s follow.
4h09m24s
